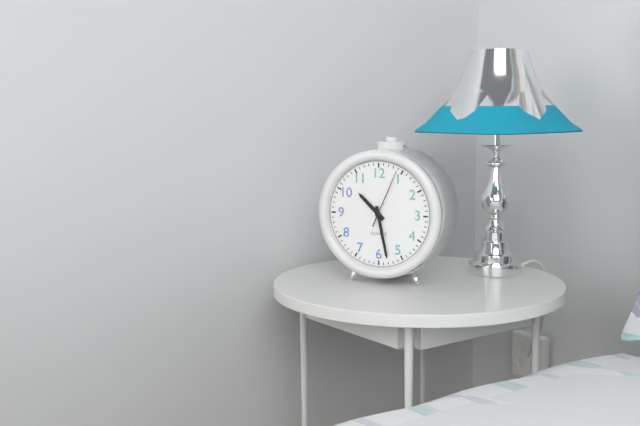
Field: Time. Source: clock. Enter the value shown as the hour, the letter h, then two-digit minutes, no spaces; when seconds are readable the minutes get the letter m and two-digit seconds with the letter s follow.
10h28m04s
